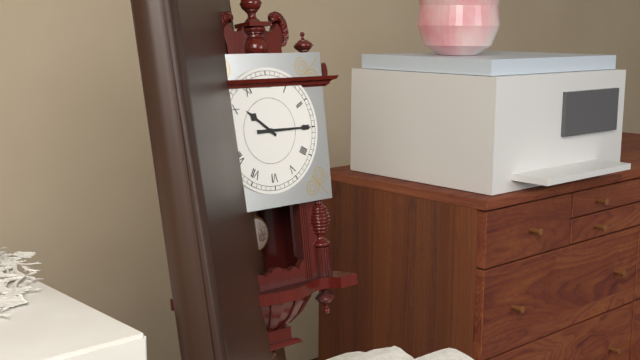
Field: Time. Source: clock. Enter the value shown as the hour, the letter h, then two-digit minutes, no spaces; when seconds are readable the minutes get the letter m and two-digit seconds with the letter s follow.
10h15
